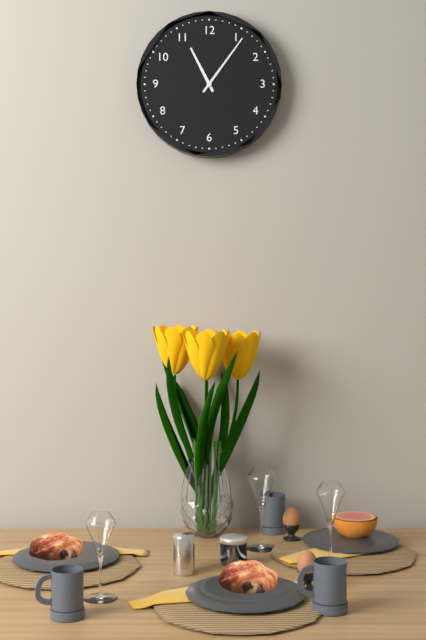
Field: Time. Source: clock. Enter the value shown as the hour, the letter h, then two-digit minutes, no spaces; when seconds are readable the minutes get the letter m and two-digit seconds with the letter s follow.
11h06
